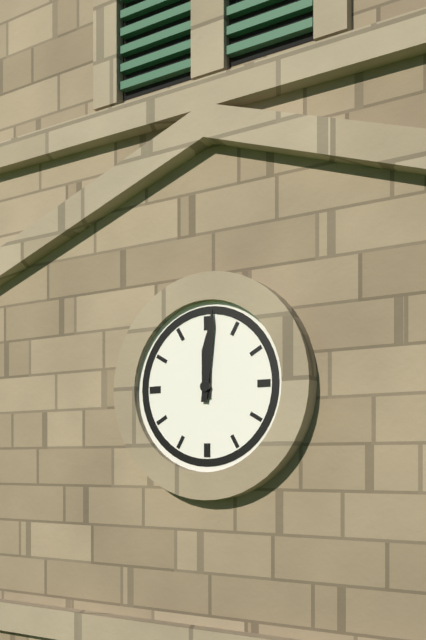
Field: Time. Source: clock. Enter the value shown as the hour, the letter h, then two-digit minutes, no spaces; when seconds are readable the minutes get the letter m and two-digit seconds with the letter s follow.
12h01
